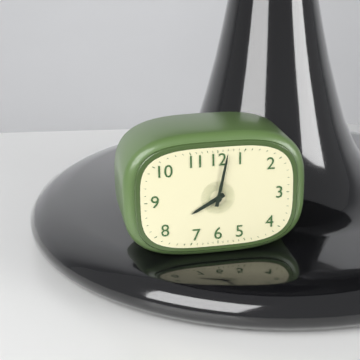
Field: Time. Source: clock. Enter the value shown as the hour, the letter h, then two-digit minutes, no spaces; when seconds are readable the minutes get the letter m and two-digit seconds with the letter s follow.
8h02
